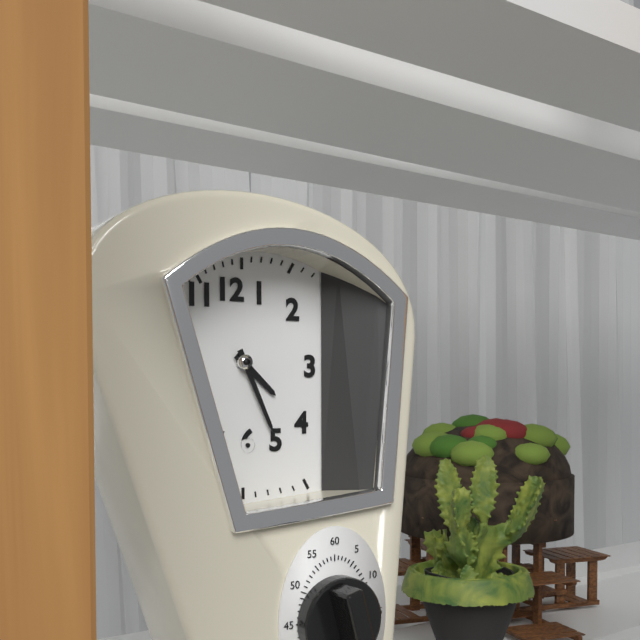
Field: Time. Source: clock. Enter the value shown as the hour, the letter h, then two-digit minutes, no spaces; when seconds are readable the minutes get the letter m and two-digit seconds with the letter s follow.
4h26
